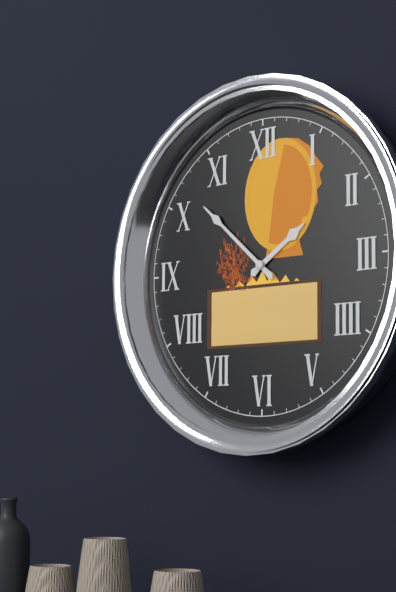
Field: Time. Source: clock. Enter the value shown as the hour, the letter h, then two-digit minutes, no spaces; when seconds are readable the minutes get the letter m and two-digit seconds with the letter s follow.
1h52
